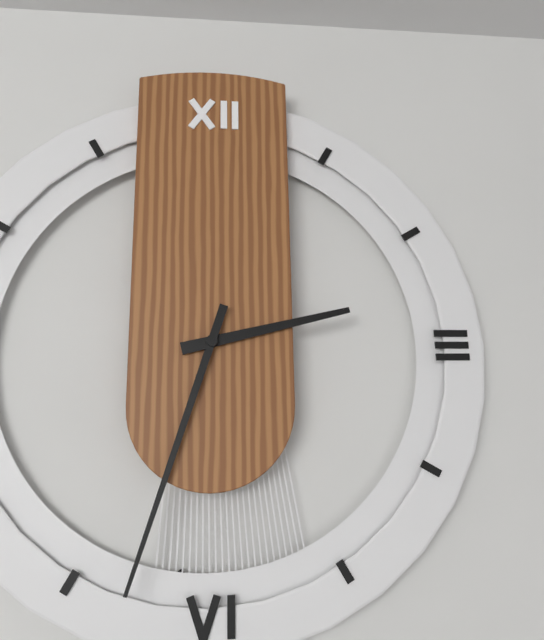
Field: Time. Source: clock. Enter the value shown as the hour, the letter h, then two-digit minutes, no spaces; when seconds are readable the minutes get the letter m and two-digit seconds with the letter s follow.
2h33
